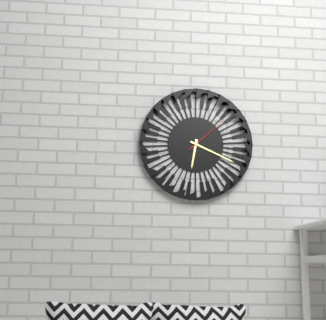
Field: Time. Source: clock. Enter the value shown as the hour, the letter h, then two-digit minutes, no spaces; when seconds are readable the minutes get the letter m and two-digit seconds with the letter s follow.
6h19
